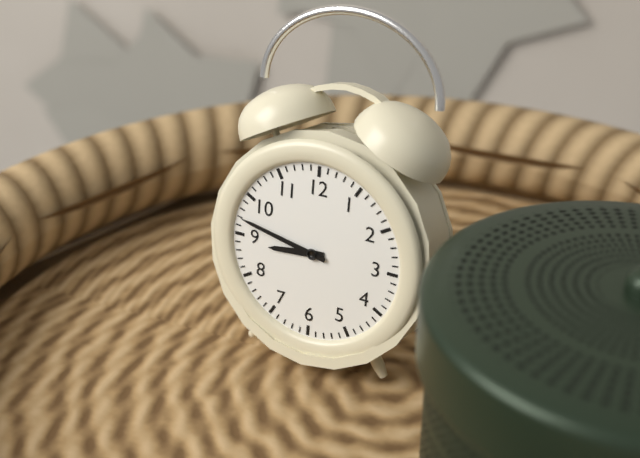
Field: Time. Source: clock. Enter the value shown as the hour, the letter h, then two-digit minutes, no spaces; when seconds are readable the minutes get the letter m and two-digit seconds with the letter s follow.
8h47
